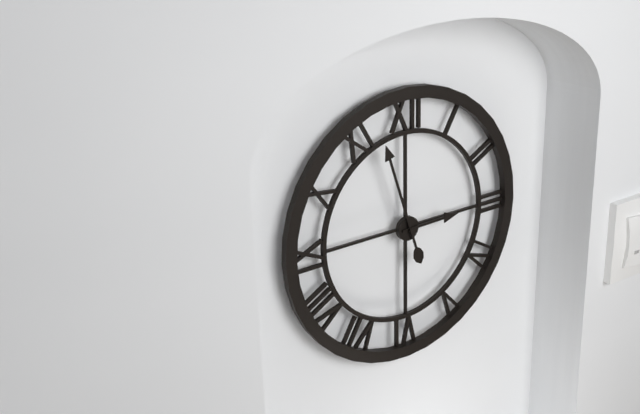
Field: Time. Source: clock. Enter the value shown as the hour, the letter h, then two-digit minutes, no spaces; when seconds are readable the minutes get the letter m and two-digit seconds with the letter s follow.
2h57
